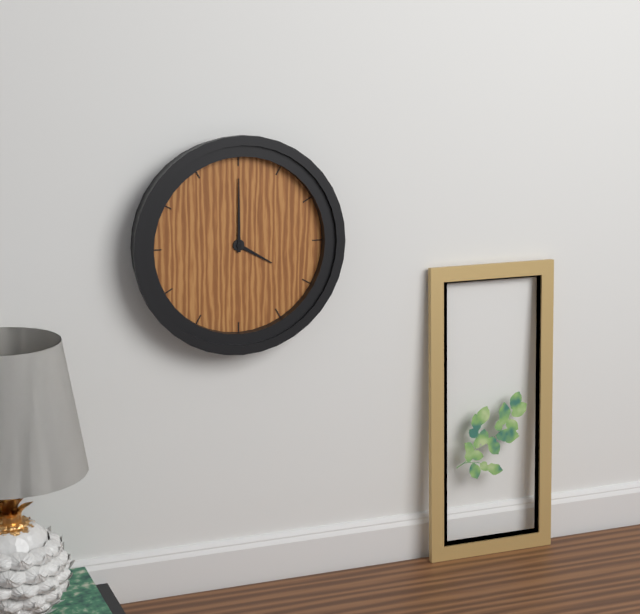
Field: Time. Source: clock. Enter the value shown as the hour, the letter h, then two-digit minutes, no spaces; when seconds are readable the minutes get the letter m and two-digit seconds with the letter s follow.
4h00
